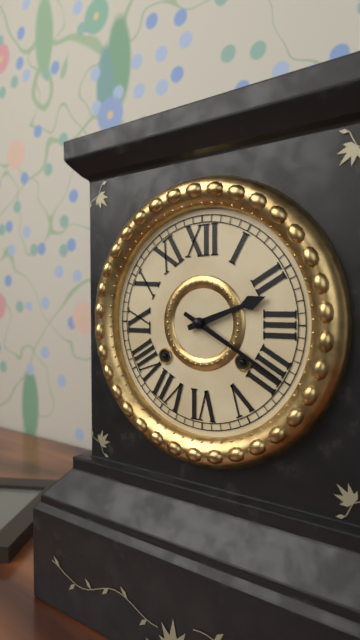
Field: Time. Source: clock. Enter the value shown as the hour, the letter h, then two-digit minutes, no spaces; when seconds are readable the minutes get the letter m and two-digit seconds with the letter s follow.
2h20
